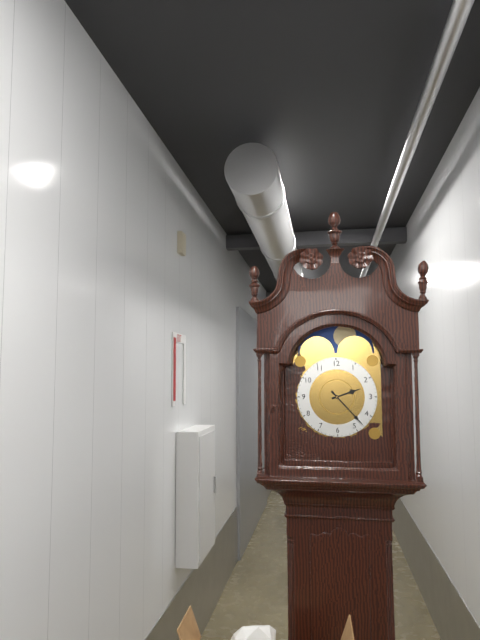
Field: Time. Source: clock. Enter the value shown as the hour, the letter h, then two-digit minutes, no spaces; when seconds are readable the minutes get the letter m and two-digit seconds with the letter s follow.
2h23
